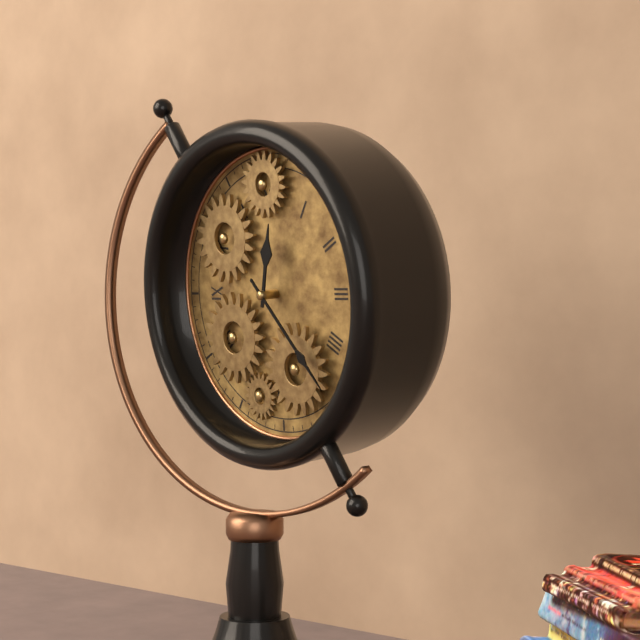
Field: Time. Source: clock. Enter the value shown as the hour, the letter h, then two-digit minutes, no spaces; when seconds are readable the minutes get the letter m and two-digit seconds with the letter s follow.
12h23
